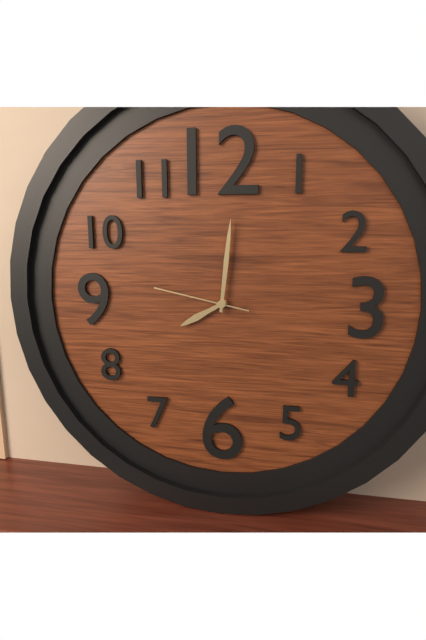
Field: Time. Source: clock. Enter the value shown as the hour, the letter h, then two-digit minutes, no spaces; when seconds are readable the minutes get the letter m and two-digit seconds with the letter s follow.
8h01m47s
